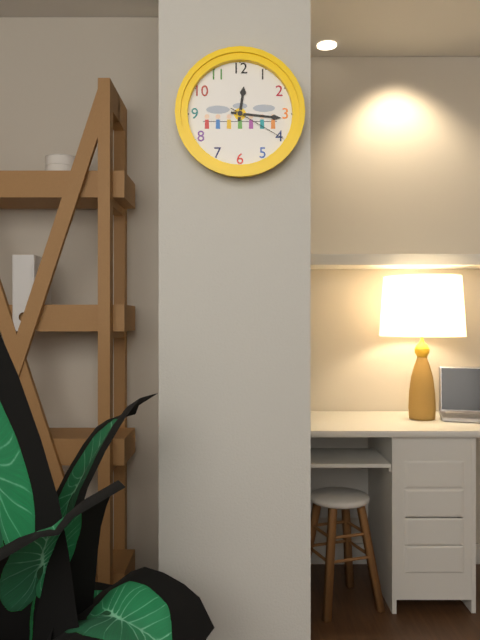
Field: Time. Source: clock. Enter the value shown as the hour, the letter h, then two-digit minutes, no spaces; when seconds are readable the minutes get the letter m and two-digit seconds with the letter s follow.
12h16m20s
